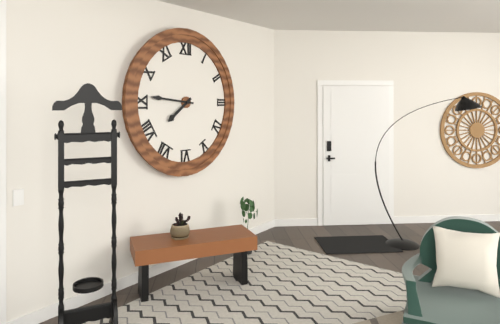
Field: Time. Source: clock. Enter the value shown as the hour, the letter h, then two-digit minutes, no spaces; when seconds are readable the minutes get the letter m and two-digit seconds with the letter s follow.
7h46
